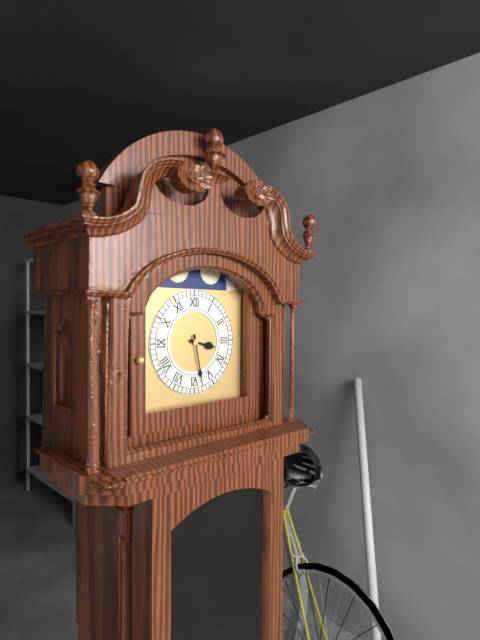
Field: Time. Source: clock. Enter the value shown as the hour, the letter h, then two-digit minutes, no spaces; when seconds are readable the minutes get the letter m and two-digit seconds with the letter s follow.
3h28
